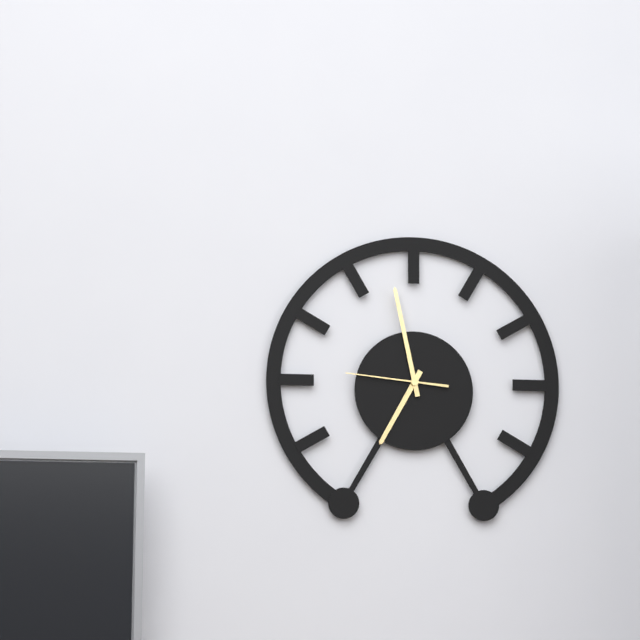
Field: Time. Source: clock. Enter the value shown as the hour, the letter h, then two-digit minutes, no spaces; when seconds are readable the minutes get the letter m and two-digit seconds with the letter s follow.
6h58m46s
